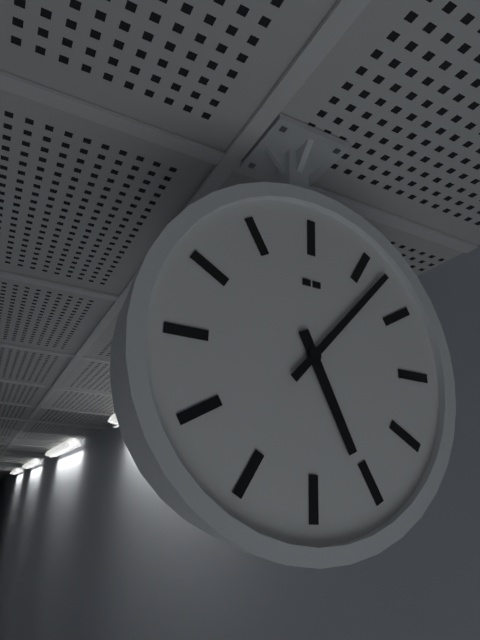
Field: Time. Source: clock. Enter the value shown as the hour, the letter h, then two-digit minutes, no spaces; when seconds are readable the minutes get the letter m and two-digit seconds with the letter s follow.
5h07
